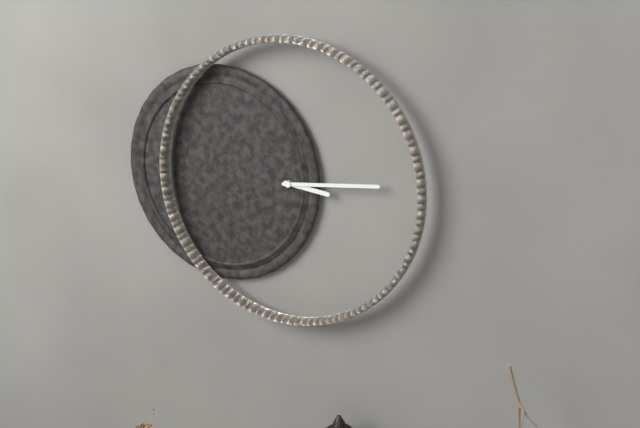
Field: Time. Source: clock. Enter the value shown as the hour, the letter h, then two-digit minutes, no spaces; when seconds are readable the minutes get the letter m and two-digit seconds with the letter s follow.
3h14
